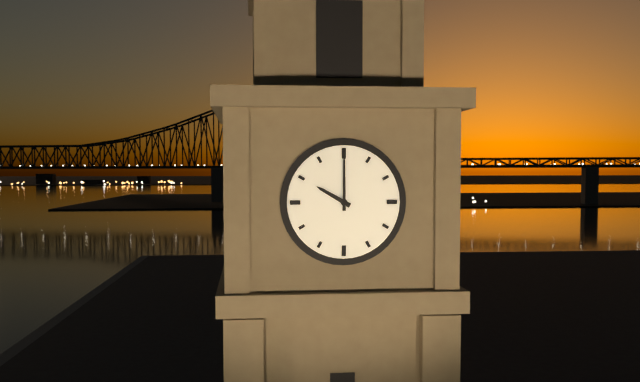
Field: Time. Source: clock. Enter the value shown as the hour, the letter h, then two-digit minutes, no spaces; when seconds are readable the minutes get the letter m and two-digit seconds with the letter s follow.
10h00
